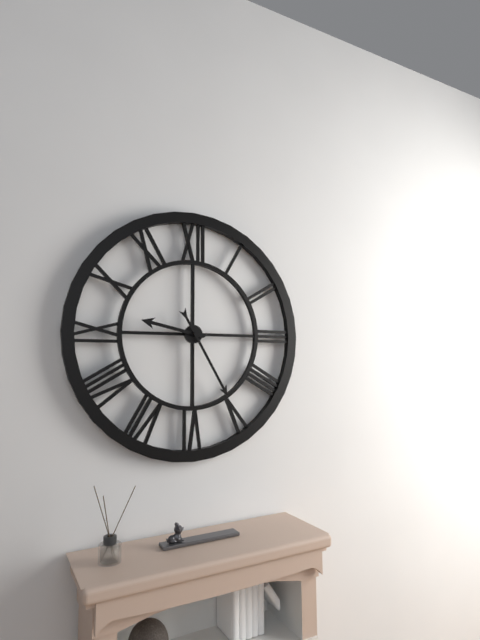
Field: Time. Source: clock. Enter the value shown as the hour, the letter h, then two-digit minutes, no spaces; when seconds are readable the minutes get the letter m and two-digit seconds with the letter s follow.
9h25
